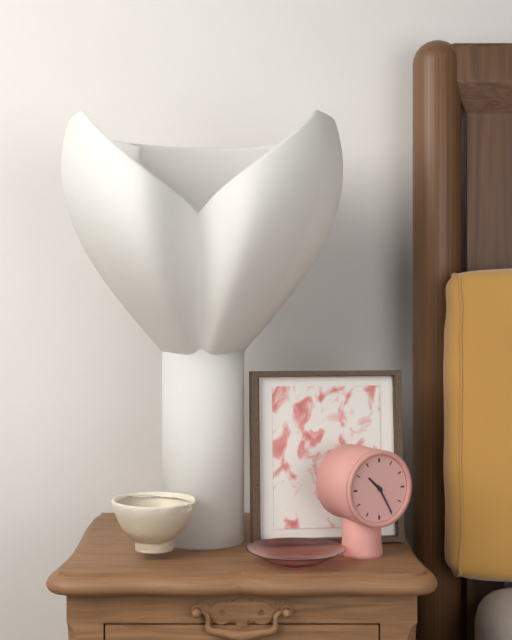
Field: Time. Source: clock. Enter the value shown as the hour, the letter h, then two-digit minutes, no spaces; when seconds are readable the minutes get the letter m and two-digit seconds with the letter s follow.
10h25
